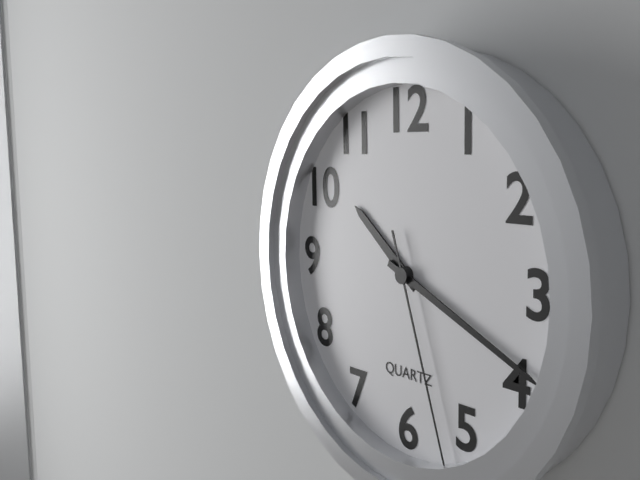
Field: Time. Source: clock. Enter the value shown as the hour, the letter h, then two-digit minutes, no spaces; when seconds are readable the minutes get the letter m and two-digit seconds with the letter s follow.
10h19m27s
